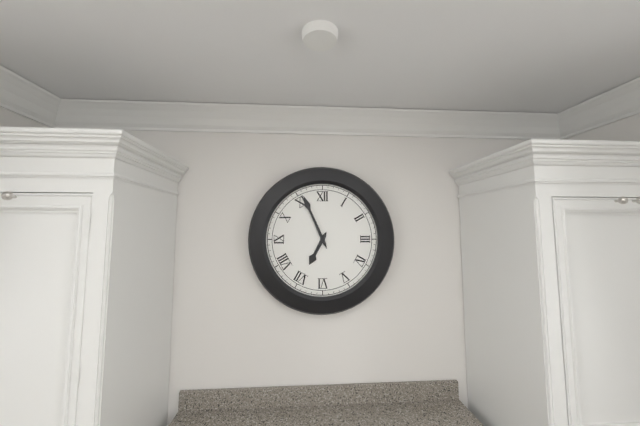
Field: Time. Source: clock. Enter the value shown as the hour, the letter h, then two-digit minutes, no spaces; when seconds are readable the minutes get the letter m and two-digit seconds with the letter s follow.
6h56
